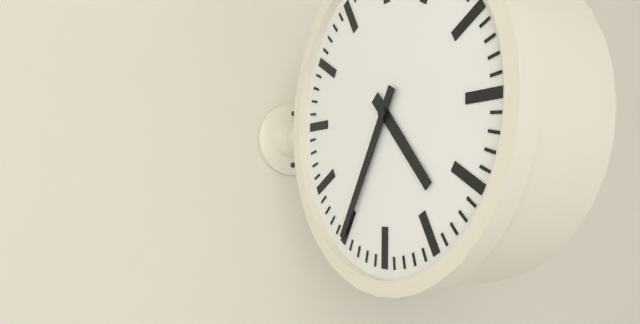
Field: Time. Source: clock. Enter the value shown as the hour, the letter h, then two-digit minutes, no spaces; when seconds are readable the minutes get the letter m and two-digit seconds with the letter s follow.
4h35
